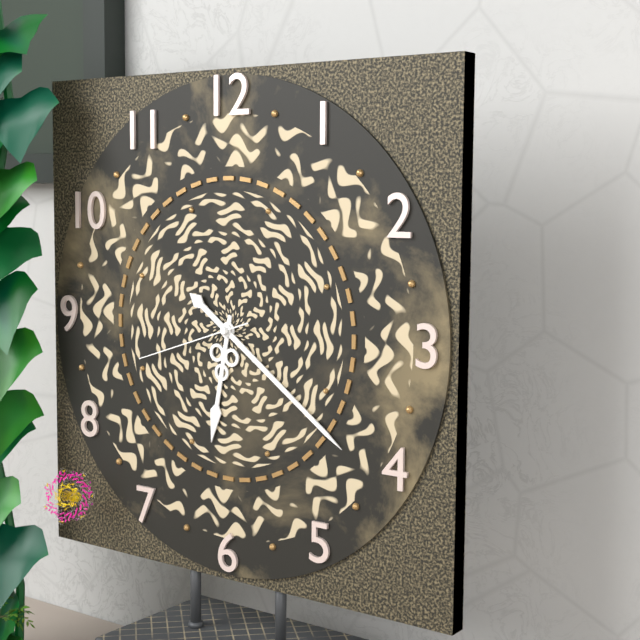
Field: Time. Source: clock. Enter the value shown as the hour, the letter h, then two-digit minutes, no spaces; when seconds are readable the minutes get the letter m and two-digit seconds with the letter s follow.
6h21m42s
